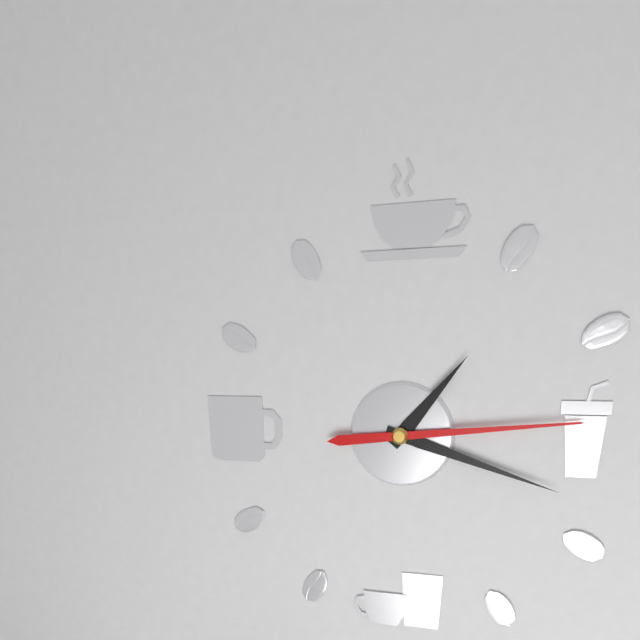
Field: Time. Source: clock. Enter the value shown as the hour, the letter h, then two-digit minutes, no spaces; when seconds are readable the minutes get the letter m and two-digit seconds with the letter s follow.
1h18m14s
